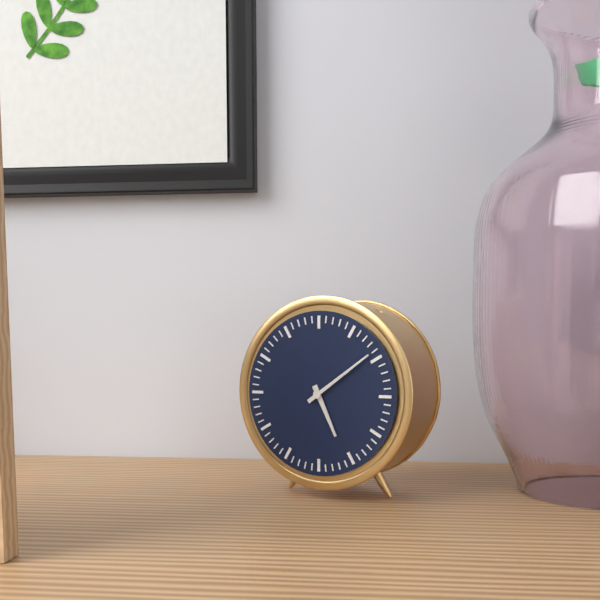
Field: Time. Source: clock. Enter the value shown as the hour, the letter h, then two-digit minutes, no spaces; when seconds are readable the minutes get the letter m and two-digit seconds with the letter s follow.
5h09
